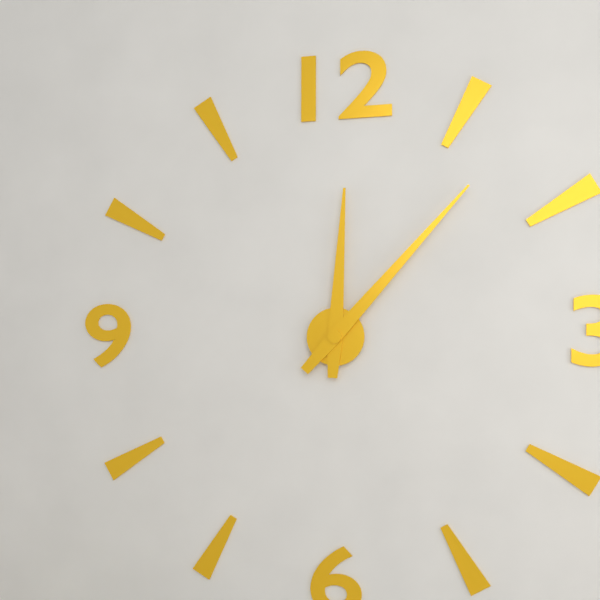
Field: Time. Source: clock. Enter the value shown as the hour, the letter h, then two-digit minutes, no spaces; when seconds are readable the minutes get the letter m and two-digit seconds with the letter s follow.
12h07
